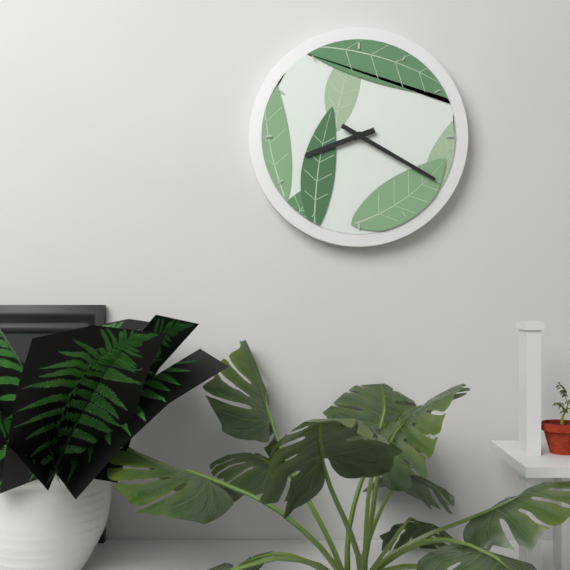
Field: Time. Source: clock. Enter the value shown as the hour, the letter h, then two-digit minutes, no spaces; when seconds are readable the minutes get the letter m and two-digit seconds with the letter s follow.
8h20
